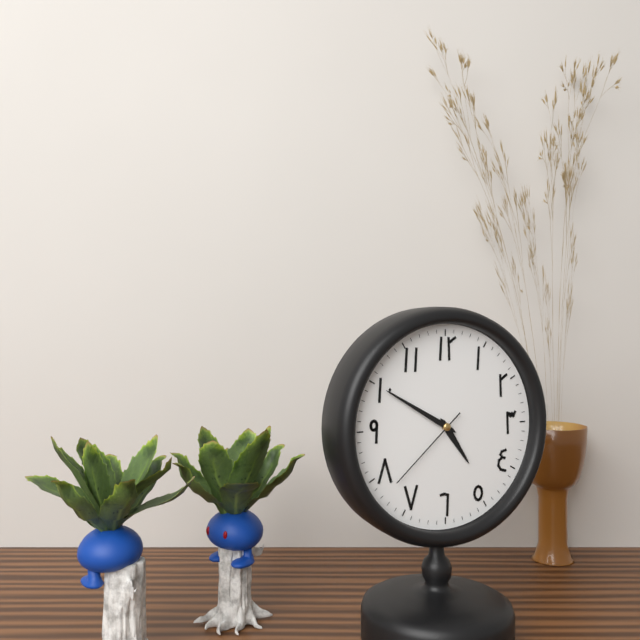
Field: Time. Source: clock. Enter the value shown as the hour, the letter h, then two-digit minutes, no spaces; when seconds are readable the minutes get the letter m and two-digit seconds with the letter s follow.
4h50m38s
